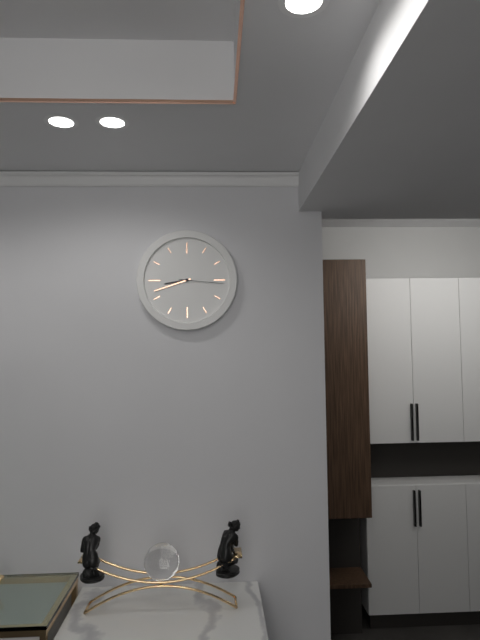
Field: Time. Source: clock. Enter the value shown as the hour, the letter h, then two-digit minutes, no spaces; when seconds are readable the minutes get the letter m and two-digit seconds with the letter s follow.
8h42
